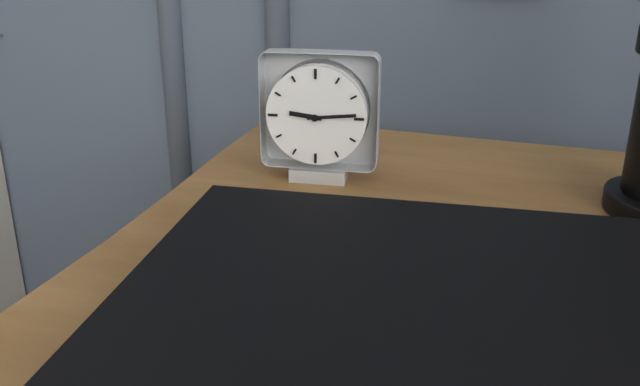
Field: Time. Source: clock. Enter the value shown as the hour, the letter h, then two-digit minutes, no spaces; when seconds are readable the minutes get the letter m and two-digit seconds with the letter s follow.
9h14
